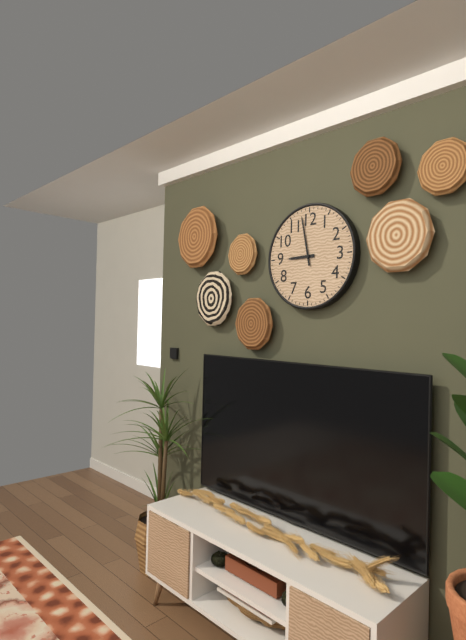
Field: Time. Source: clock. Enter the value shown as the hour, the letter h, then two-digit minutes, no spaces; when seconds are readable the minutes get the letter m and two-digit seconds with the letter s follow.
8h58
